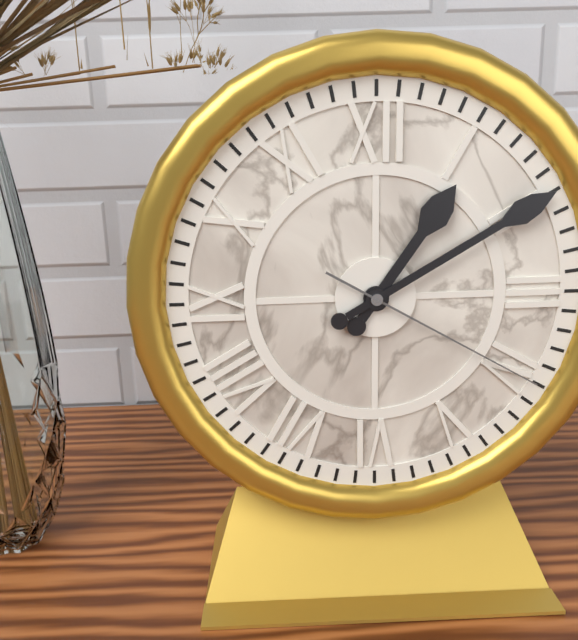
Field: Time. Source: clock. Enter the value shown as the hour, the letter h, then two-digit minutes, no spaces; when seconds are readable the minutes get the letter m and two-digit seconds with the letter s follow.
1h10m20s
